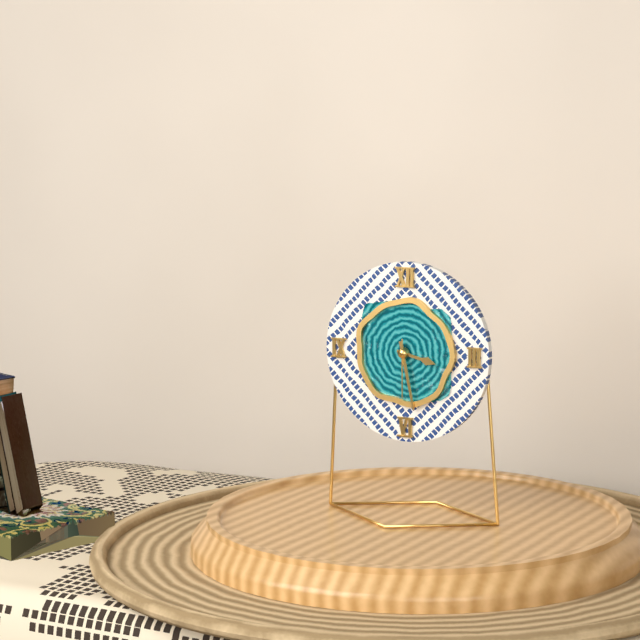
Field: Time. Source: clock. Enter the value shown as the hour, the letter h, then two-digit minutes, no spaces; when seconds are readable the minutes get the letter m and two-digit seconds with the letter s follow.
3h28m30s
